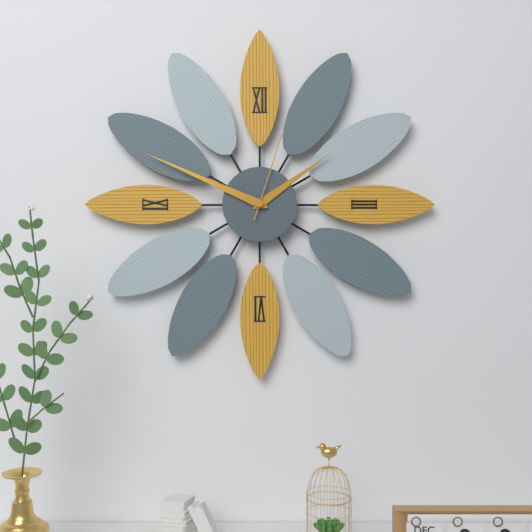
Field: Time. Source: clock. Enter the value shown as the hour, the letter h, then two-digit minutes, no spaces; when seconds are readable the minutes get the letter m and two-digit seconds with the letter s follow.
1h49m03s
